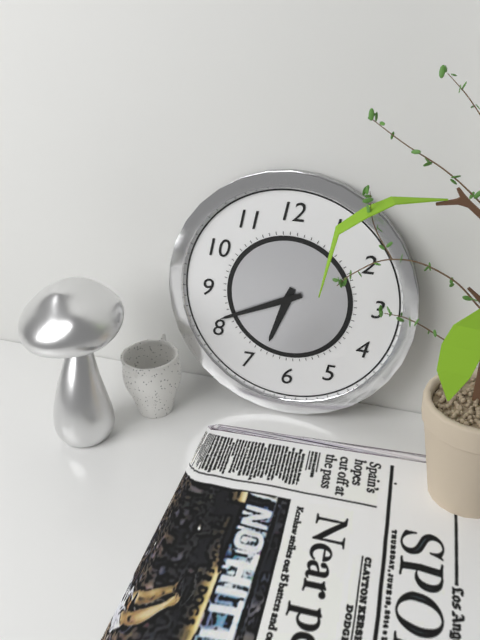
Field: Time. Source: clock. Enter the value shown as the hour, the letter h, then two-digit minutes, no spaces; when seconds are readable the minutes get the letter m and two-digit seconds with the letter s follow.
6h41
